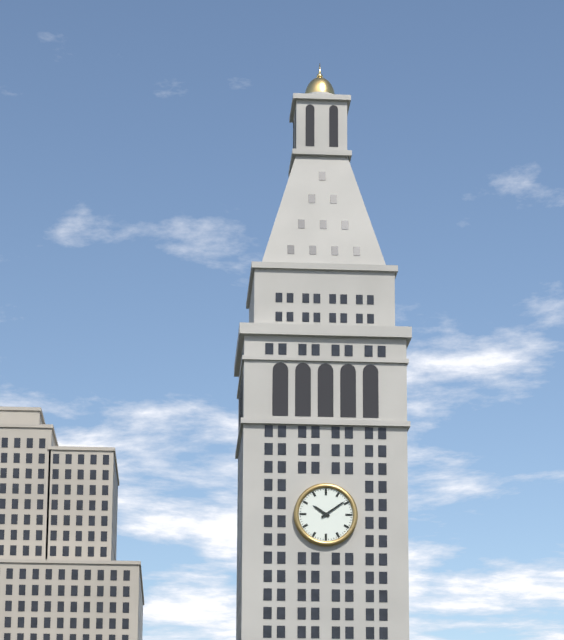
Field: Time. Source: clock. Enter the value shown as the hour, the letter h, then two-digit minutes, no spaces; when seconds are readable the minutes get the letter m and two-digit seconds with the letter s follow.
10h09
